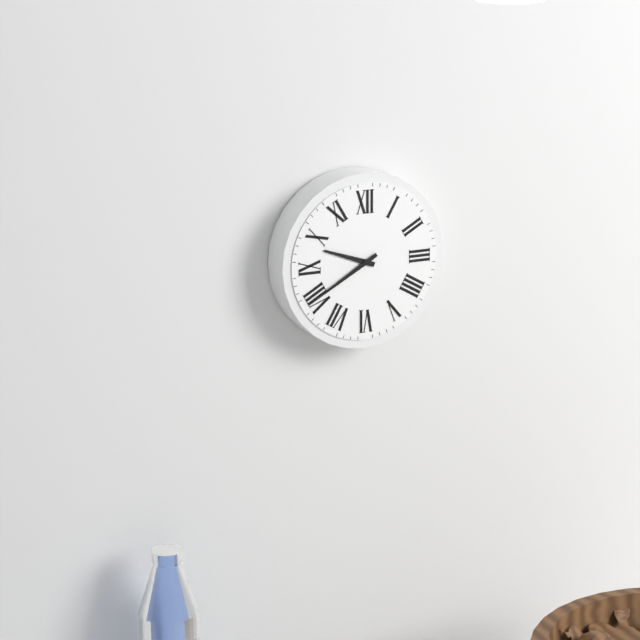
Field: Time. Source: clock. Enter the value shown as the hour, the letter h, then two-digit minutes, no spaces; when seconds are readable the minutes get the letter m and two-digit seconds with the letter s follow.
9h40
